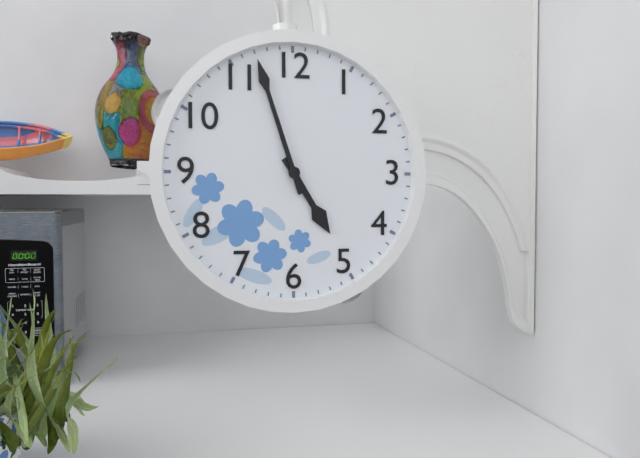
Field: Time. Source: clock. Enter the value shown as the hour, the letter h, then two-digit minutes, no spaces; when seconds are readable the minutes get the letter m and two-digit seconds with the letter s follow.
4h57
